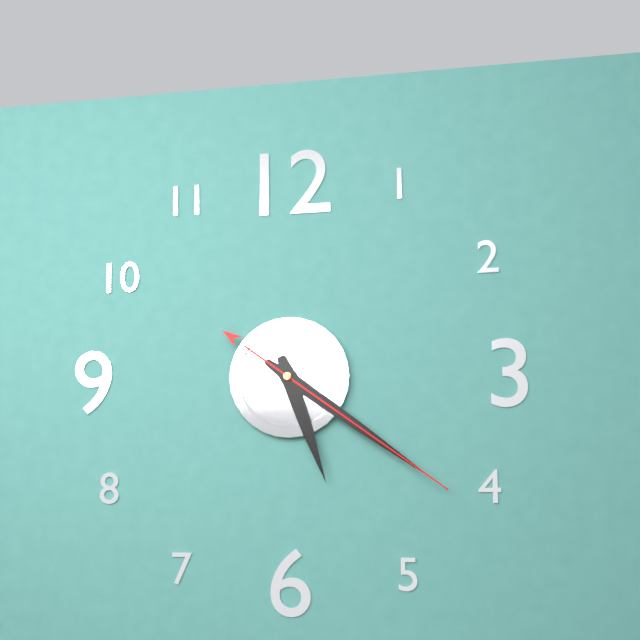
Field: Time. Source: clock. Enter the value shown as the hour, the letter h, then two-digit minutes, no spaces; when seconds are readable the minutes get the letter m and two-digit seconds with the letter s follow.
5h21m21s
